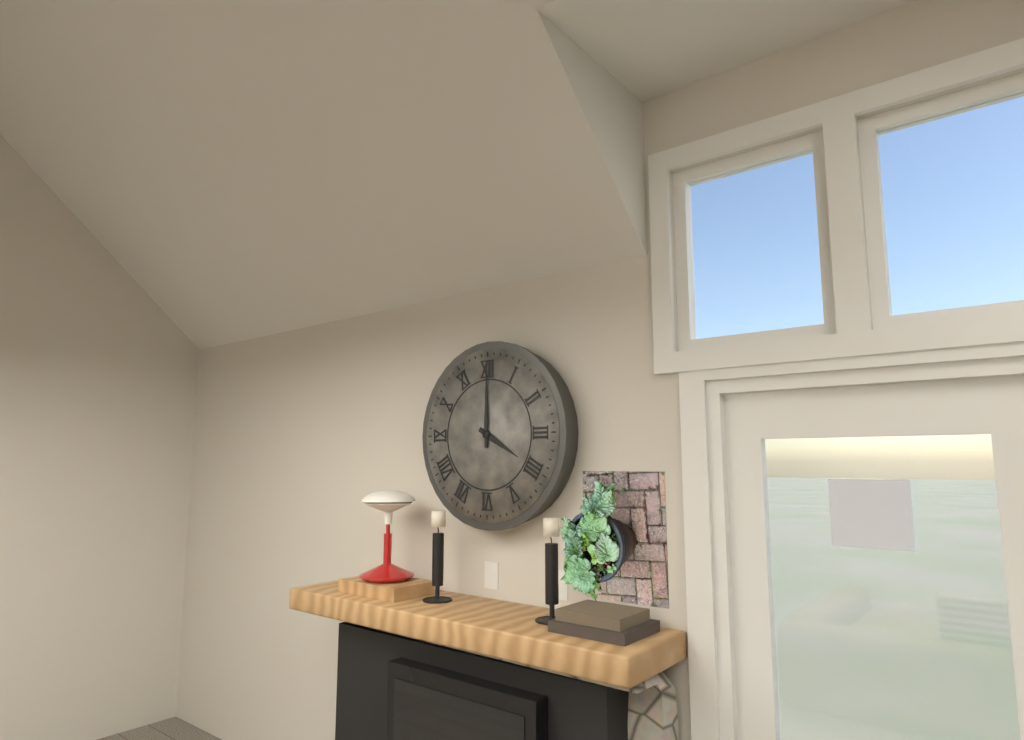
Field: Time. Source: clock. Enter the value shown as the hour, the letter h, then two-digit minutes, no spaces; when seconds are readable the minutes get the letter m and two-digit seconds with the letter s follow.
4h00
